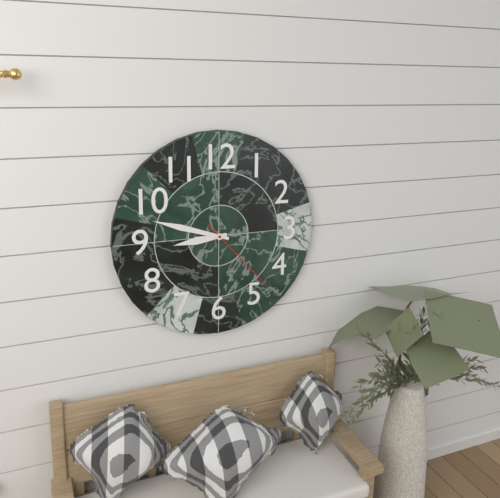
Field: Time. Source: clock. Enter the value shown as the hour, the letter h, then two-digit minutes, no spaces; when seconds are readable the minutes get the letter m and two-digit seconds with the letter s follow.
8h48m23s
